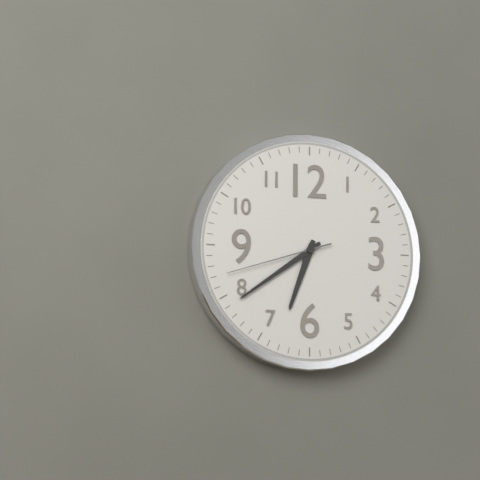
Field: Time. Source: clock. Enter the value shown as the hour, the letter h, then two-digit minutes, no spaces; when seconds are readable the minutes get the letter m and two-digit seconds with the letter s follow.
6h39m42s
